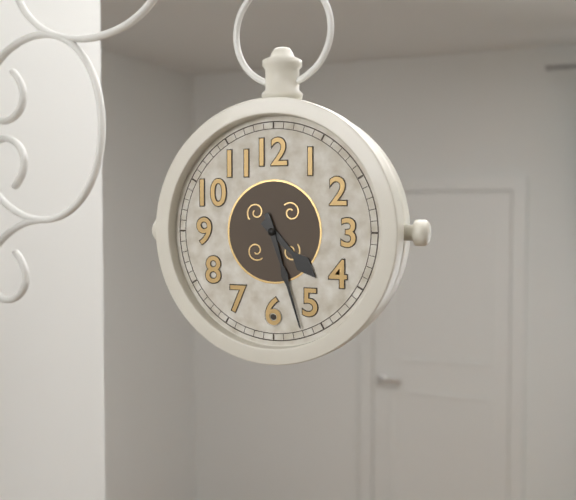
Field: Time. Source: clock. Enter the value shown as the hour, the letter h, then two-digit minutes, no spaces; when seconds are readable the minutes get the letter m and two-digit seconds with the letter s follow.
4h27
